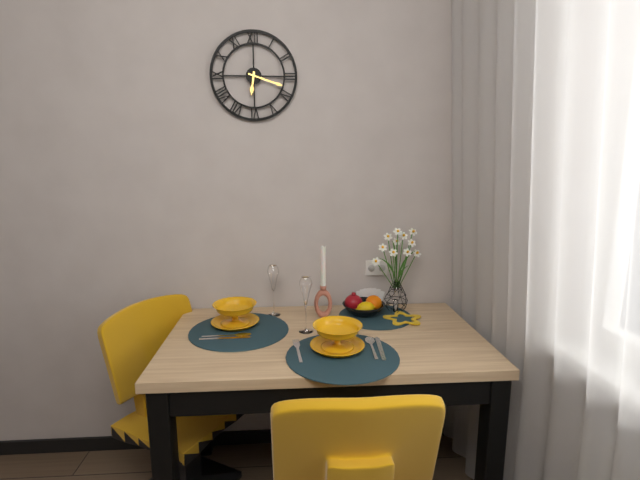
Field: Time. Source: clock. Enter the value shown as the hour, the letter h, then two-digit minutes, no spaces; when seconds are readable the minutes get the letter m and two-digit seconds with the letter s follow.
6h18
